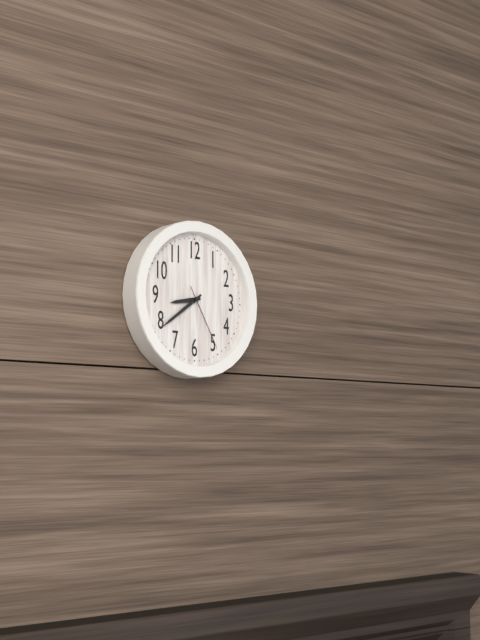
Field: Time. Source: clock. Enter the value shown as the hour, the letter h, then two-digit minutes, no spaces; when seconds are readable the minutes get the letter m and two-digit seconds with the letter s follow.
8h39m25s
